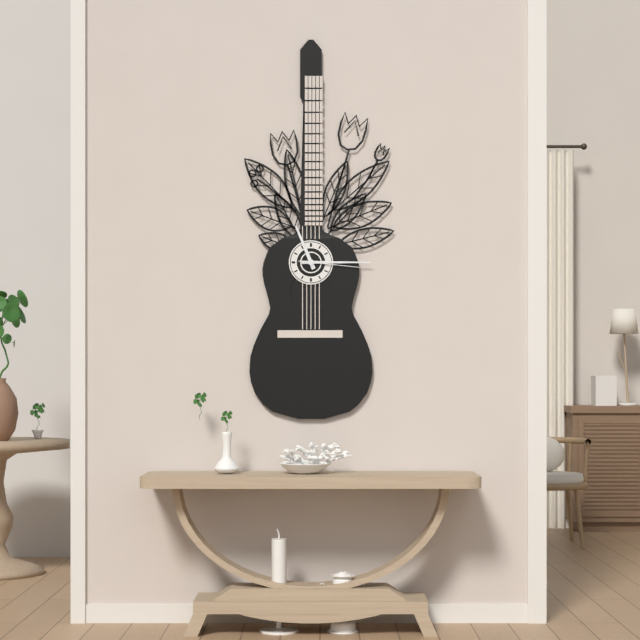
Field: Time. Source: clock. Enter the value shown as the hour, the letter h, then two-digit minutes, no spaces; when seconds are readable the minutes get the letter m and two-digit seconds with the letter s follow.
11h15m16s
